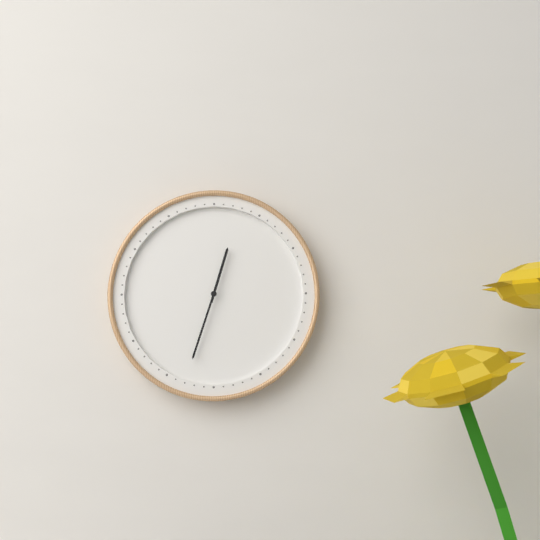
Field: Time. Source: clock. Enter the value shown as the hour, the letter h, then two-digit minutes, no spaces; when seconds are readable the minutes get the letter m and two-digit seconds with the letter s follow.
12h33
